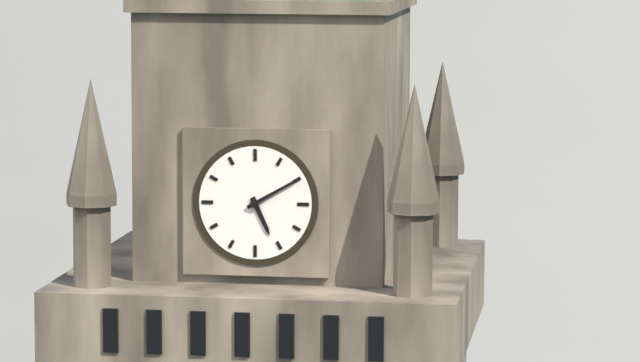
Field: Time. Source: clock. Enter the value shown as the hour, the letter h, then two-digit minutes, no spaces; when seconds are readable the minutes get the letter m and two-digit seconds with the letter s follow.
5h10
